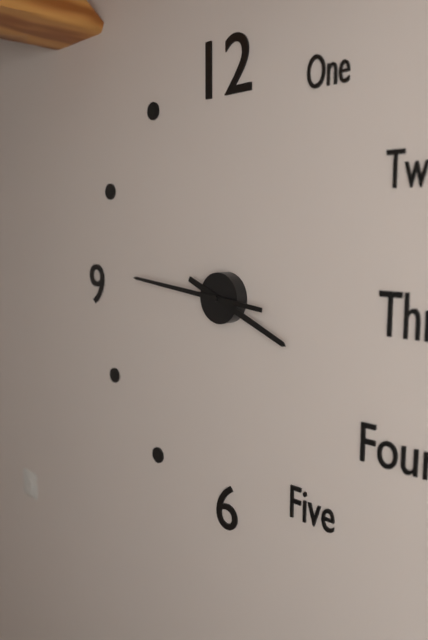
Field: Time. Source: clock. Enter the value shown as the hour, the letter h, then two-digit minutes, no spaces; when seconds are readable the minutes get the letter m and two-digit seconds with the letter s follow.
3h46
